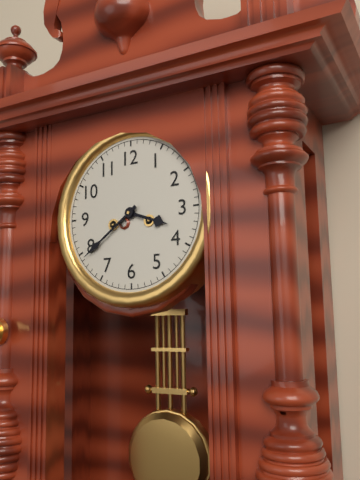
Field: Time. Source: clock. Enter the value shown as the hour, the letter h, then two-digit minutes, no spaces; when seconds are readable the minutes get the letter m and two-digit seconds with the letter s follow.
3h39
